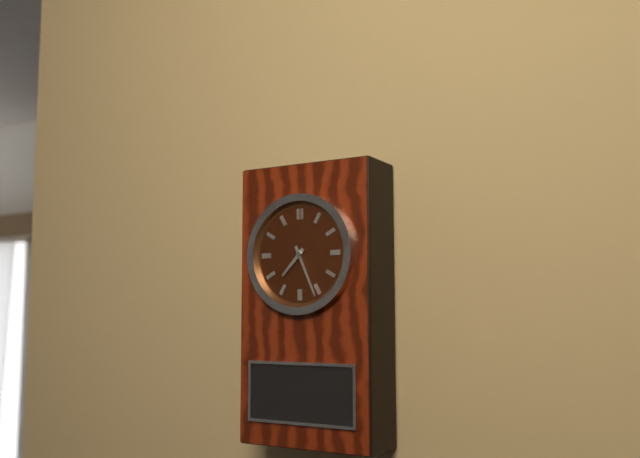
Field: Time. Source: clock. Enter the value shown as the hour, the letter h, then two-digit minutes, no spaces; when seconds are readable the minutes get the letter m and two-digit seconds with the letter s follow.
7h26
